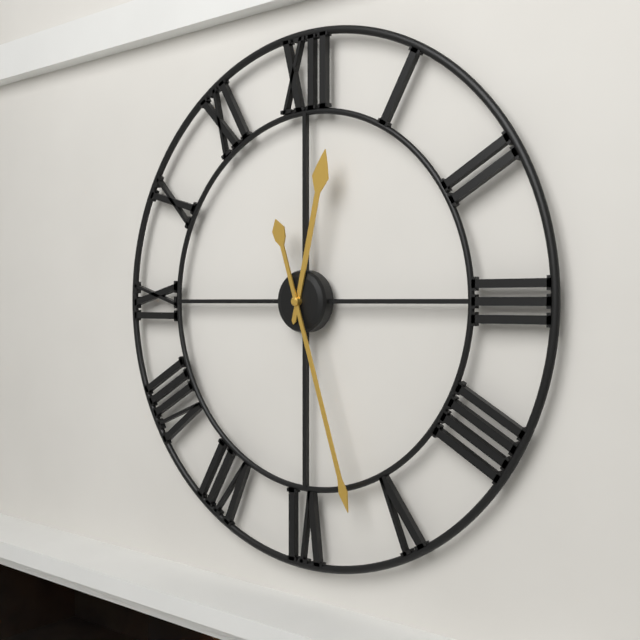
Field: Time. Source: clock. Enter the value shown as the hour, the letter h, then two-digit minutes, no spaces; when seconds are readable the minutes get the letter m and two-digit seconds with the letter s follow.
12h27
